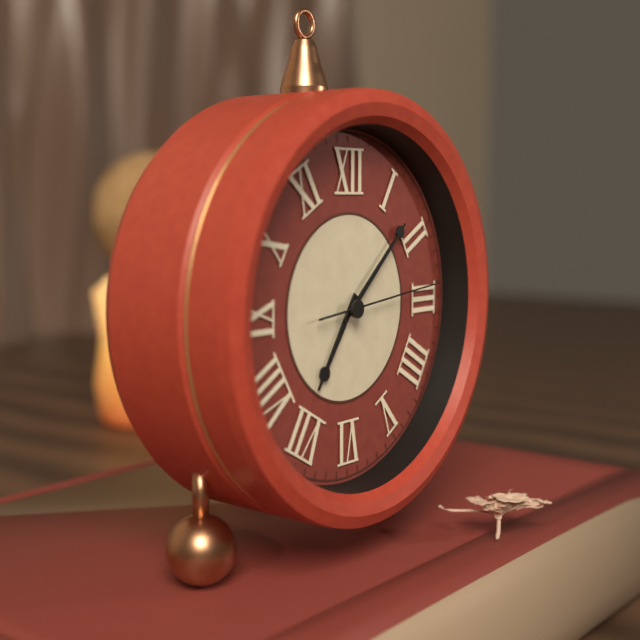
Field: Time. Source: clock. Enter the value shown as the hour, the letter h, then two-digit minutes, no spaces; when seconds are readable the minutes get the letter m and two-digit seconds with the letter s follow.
7h08m14s
